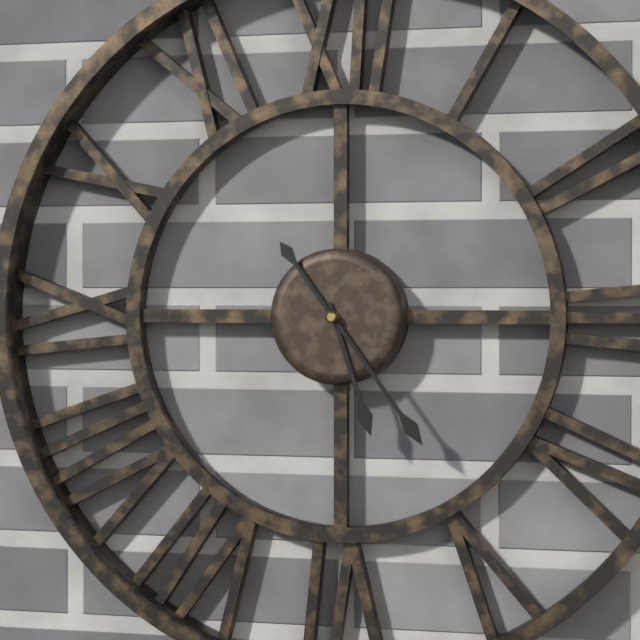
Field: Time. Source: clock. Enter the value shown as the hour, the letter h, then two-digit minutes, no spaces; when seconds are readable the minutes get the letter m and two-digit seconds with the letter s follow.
5h24
